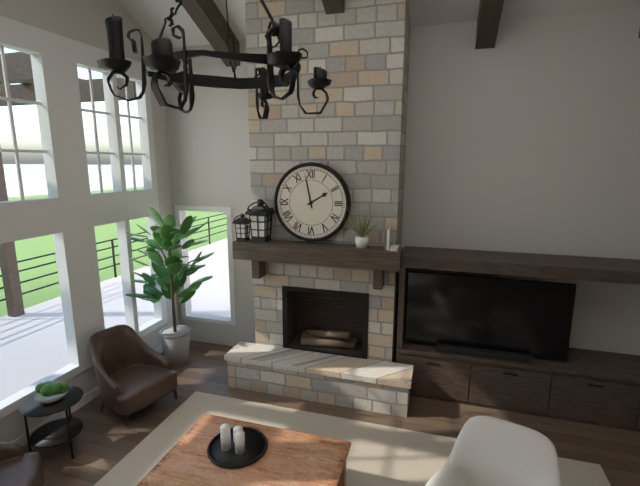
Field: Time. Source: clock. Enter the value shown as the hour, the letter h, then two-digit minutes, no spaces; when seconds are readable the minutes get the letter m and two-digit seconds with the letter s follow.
1h58
